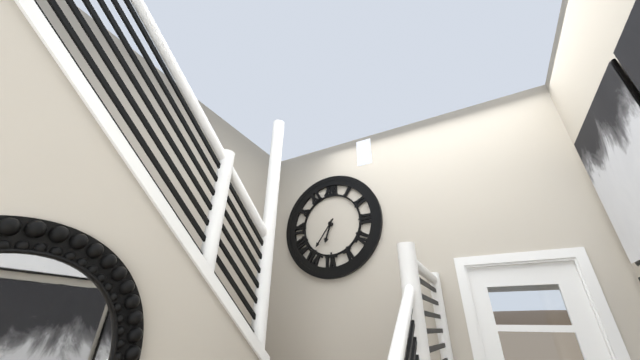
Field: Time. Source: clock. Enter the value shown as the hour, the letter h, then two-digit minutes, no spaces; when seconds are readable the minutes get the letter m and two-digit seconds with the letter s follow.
6h36
